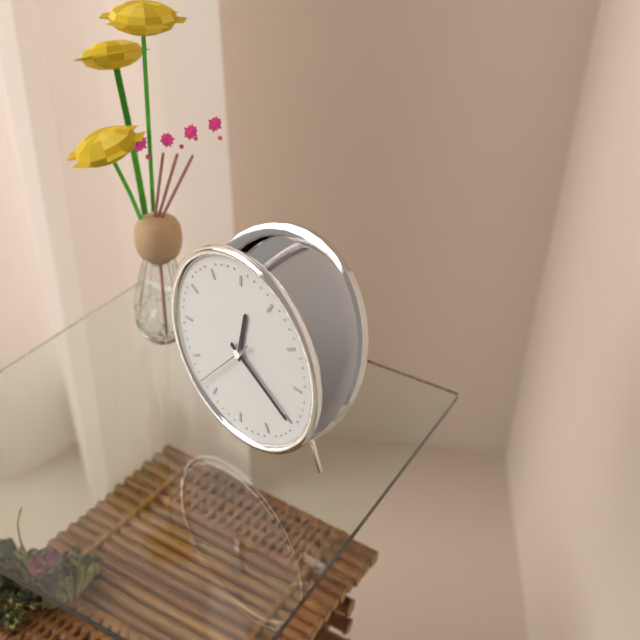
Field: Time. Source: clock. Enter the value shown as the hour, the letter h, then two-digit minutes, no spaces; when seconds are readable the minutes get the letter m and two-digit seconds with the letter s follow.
12h20m37s
